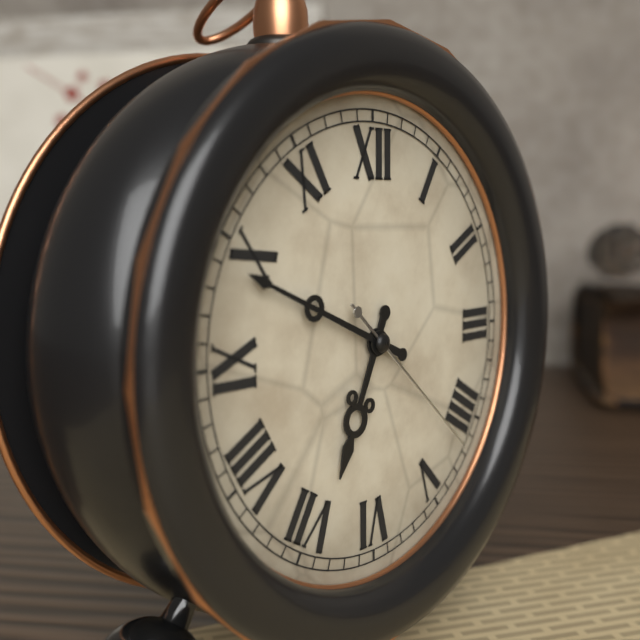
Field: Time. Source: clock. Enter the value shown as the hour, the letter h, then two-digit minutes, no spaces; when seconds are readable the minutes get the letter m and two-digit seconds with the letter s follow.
6h49m22s
